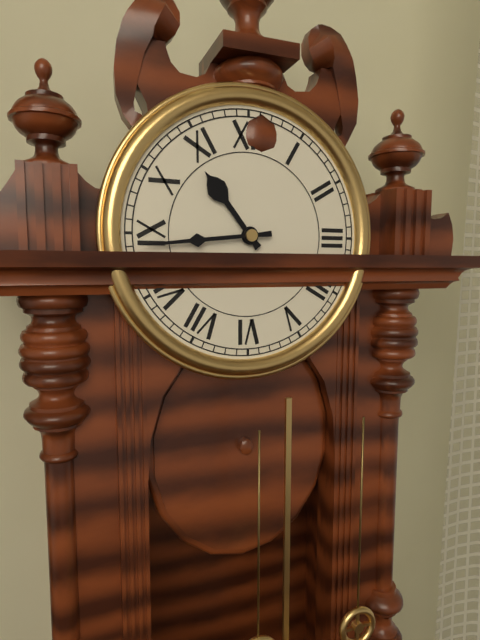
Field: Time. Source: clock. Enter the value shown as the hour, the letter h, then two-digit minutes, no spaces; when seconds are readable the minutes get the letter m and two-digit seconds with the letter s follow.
10h44
